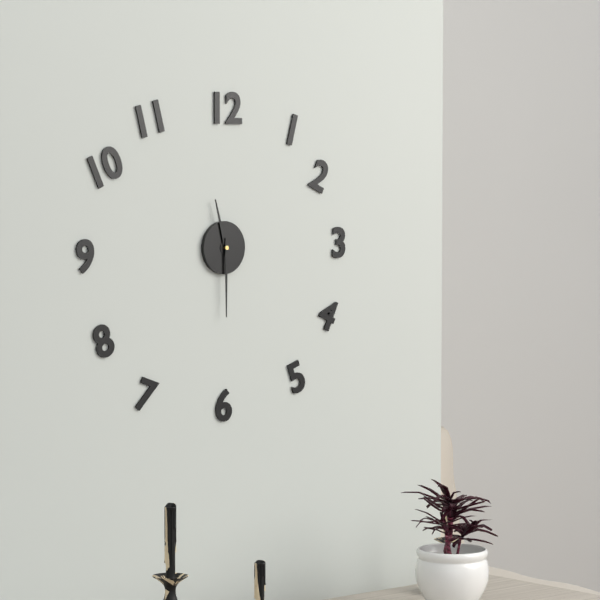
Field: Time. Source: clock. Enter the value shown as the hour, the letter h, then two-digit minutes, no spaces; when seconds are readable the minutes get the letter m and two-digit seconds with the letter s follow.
11h30
